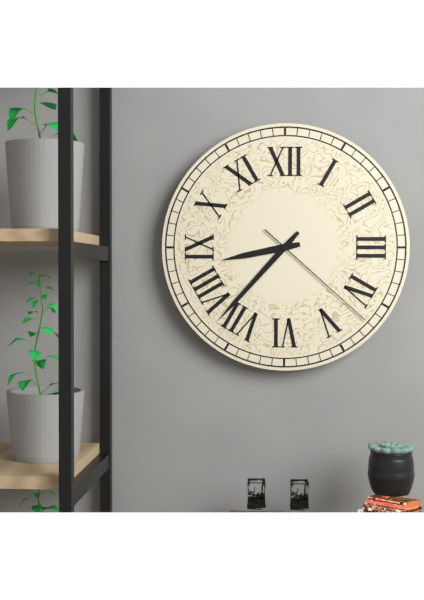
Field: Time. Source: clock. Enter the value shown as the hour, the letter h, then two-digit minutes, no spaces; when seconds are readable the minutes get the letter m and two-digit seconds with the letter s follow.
8h37m22s
